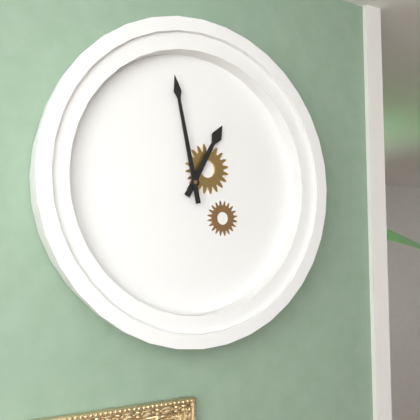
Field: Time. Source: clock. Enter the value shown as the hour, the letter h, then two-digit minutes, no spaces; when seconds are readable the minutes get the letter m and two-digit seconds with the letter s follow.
12h58
